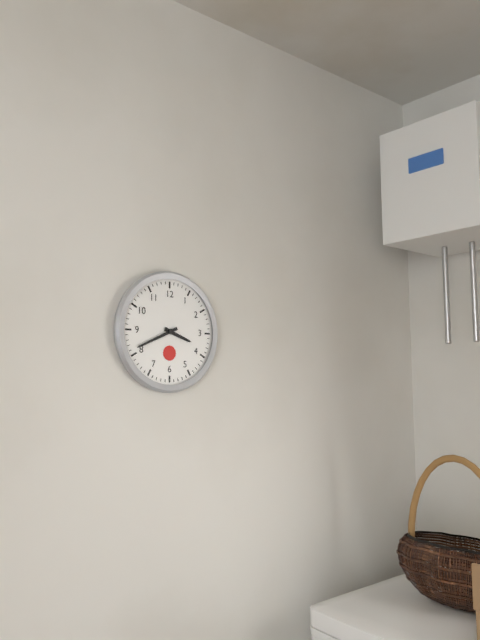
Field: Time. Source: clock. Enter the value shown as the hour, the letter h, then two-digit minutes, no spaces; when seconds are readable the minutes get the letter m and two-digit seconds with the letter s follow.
3h41
